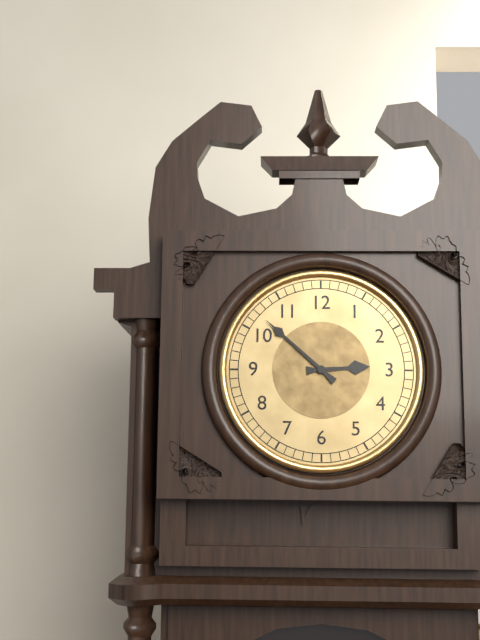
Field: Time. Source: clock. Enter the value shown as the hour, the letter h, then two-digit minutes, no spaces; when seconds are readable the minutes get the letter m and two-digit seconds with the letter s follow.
2h52
